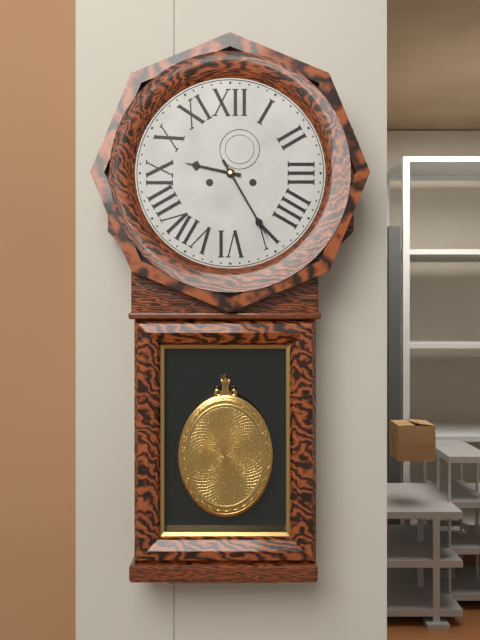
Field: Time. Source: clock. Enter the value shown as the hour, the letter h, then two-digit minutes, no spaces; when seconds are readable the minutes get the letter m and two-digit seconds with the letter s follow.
9h25
